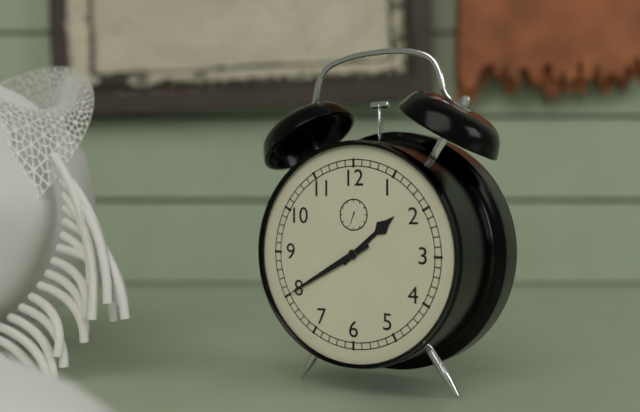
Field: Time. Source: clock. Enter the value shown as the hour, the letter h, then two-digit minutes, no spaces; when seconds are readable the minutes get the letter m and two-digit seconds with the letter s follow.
1h40
